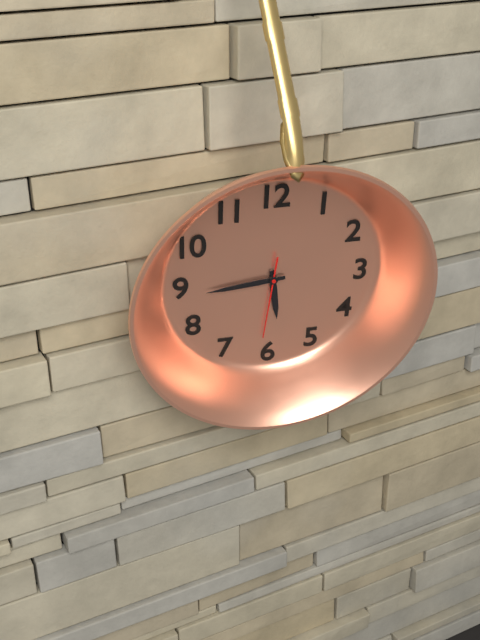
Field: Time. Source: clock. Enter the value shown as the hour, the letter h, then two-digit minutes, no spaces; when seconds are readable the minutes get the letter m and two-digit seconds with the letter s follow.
5h44m31s
